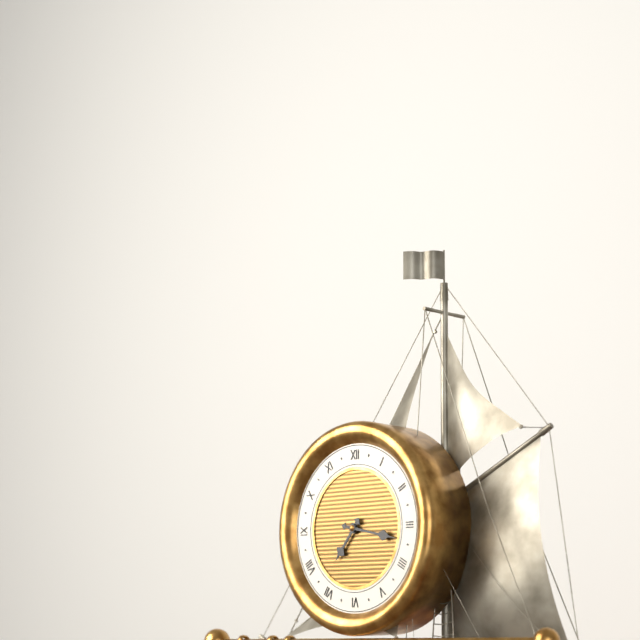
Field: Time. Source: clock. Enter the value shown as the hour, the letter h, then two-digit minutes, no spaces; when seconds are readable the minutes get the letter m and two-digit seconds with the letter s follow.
7h17
